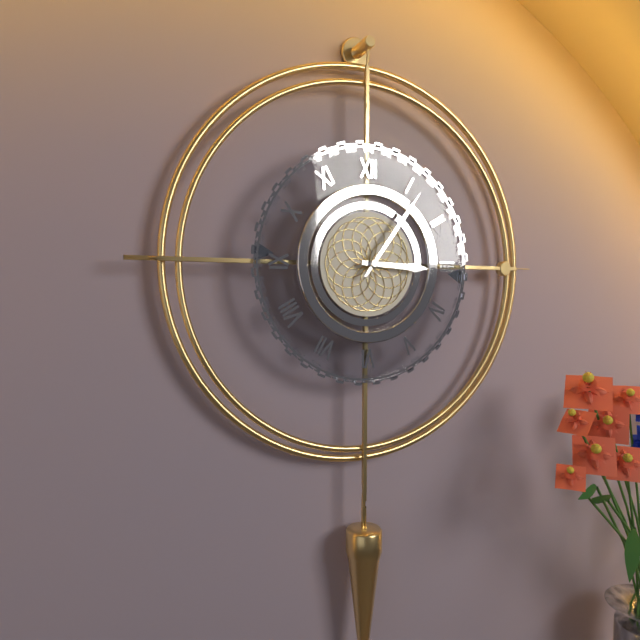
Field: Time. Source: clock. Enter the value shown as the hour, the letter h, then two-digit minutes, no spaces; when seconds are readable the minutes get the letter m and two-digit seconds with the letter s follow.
3h06
